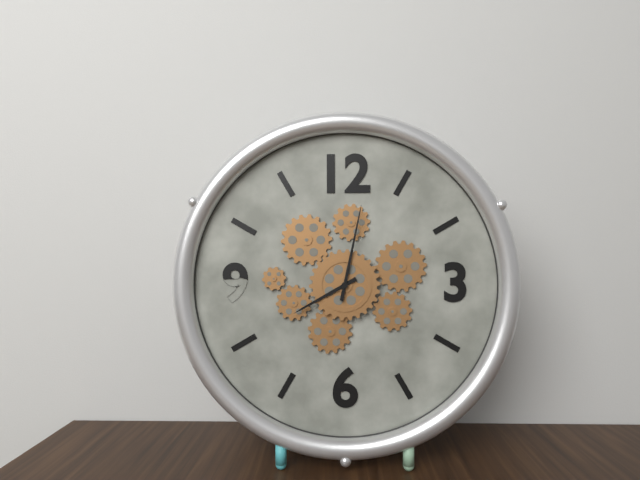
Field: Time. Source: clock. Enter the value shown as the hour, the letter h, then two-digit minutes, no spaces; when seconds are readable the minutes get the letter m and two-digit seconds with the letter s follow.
8h02
